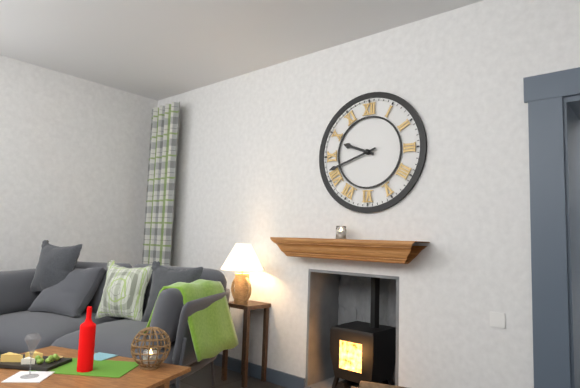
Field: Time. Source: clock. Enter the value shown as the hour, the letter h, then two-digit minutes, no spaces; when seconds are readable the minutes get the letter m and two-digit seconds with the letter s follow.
9h42
